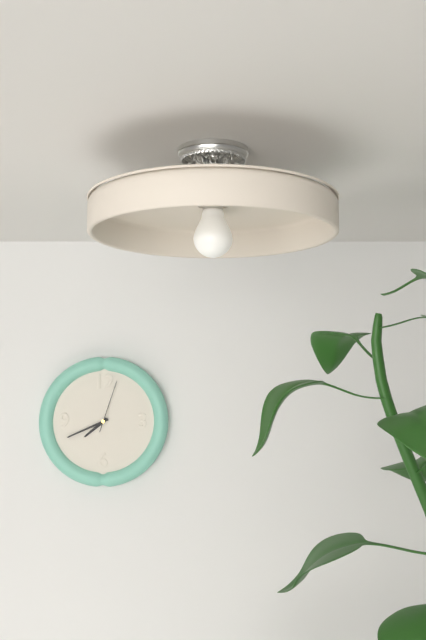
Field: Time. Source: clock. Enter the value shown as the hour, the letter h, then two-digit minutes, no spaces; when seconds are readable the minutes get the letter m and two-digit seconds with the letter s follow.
7h41m03s
